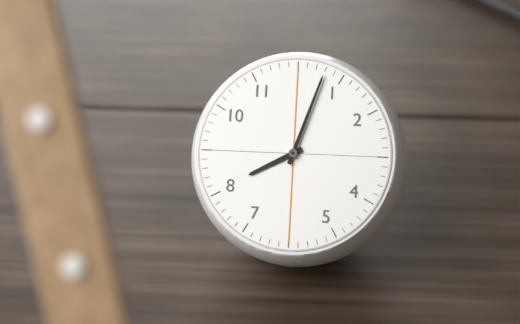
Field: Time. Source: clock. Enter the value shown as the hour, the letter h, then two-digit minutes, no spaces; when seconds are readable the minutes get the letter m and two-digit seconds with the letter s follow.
8h03
